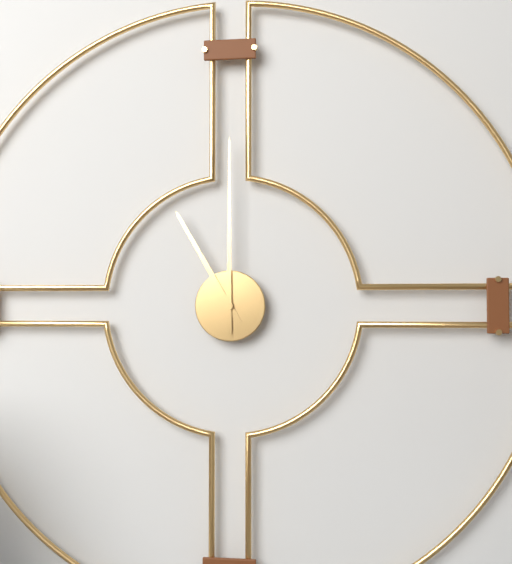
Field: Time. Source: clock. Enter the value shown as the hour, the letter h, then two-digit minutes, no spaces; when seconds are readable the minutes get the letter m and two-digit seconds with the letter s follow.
11h00
